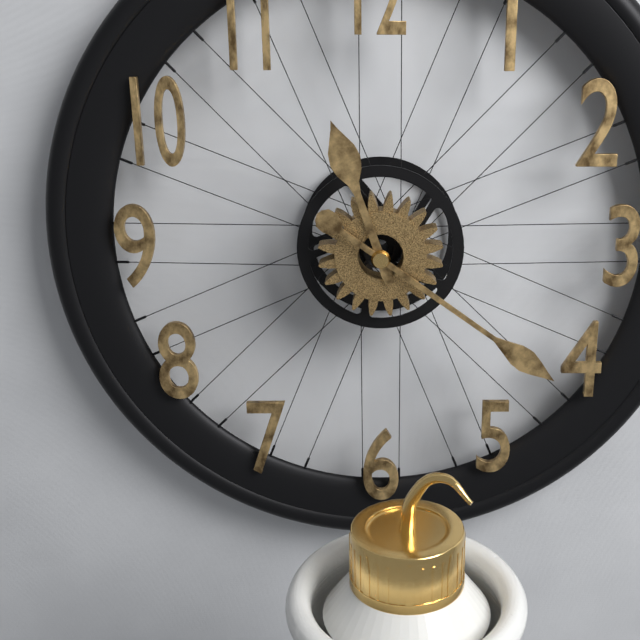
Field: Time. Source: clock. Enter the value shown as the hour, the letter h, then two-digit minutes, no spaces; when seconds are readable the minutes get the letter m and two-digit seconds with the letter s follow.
11h21
